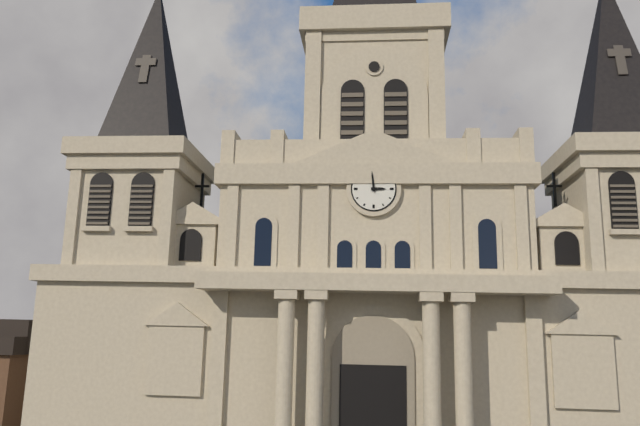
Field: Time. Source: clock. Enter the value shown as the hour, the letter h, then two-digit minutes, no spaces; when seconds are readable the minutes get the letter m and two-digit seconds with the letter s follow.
2h59
